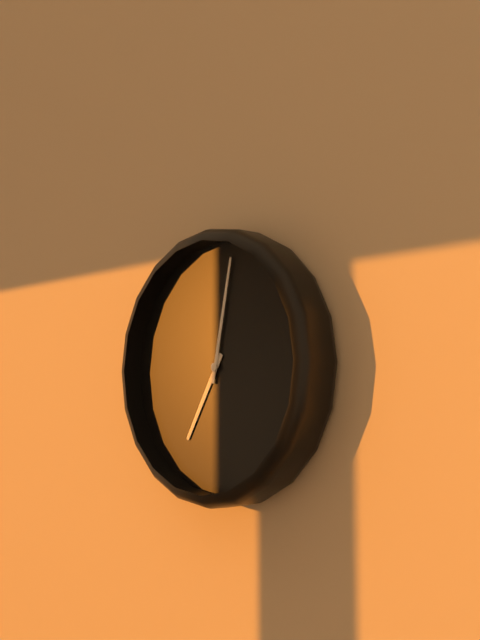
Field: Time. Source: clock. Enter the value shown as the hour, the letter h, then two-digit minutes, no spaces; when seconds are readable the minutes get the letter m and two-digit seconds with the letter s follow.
7h02
